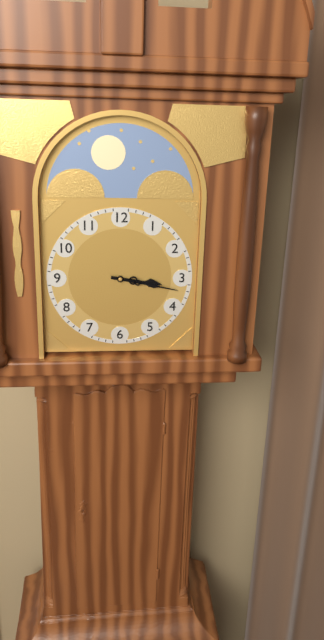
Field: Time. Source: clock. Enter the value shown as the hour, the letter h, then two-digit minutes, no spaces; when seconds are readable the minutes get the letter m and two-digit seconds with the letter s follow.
3h17
